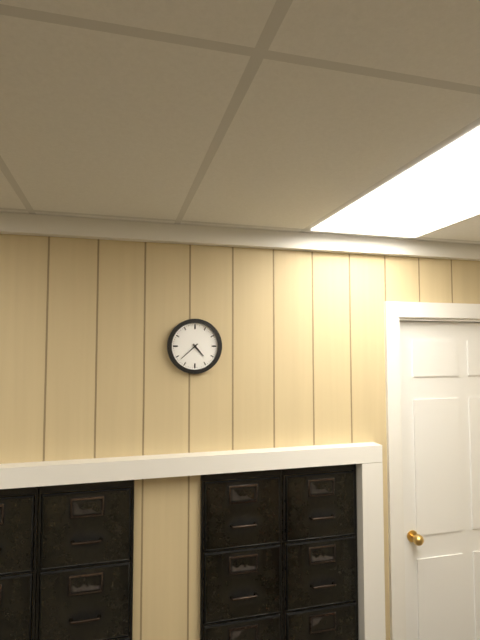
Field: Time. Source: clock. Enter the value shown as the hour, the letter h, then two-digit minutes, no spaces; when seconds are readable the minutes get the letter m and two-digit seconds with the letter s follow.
4h38
